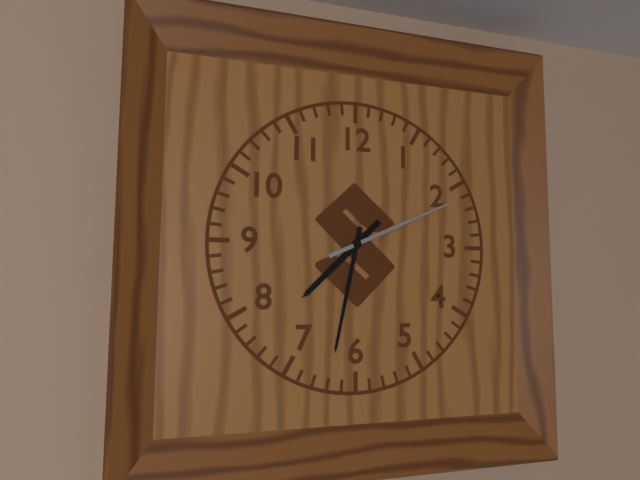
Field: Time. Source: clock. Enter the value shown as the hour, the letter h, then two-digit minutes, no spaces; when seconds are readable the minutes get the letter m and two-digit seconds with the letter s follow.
7h32m11s
